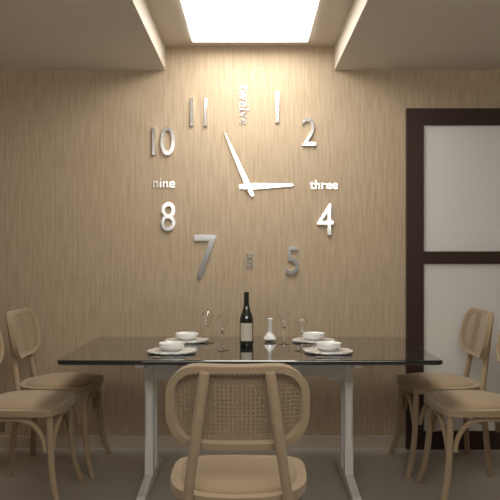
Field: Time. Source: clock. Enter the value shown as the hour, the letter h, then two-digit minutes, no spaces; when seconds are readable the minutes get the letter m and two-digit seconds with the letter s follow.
2h56
